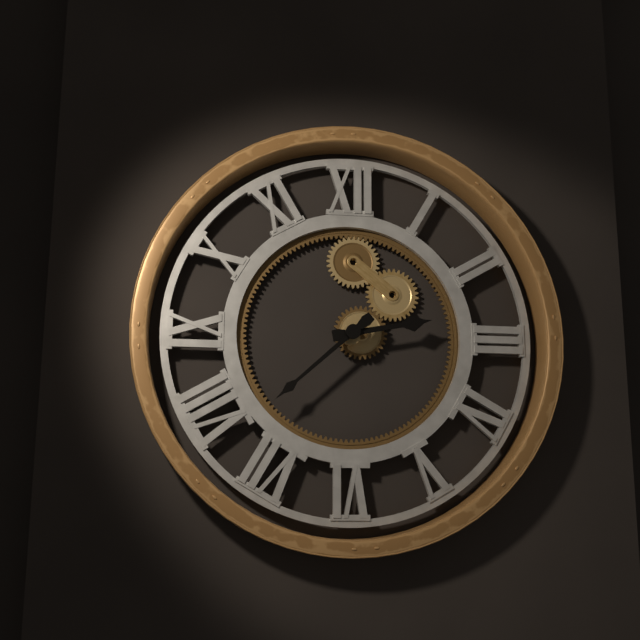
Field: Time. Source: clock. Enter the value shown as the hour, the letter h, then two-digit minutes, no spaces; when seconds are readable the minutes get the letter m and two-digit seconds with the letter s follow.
2h38
